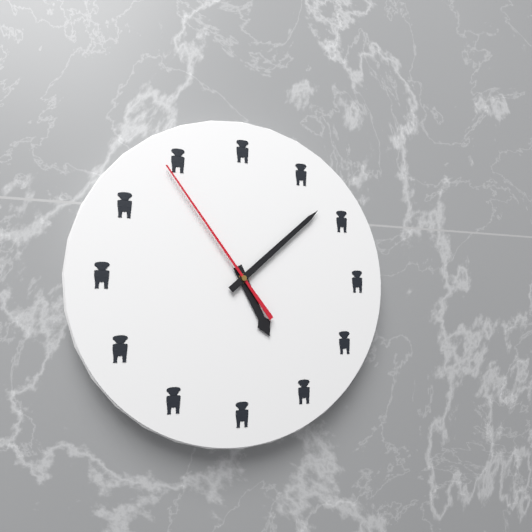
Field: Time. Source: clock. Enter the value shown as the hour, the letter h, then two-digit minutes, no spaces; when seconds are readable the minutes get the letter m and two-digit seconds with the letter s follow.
5h08m54s
